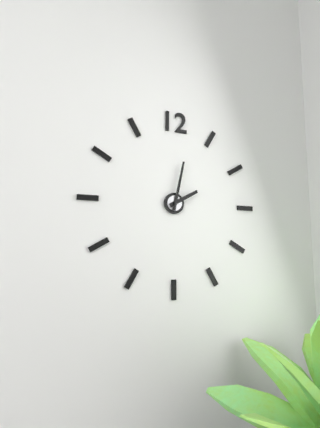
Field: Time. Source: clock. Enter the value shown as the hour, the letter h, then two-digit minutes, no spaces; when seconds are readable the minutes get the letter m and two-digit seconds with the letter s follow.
2h02
